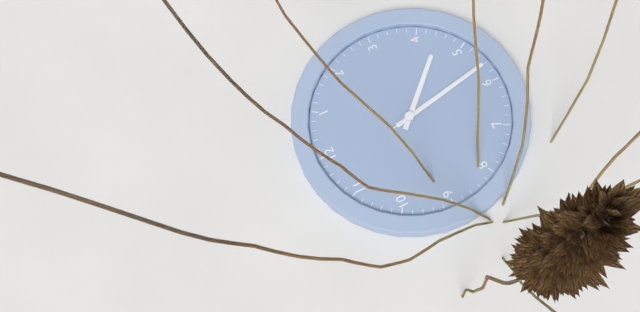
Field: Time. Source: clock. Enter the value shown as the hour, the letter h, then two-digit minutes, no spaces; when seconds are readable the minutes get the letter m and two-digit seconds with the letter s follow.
4h28m28s
